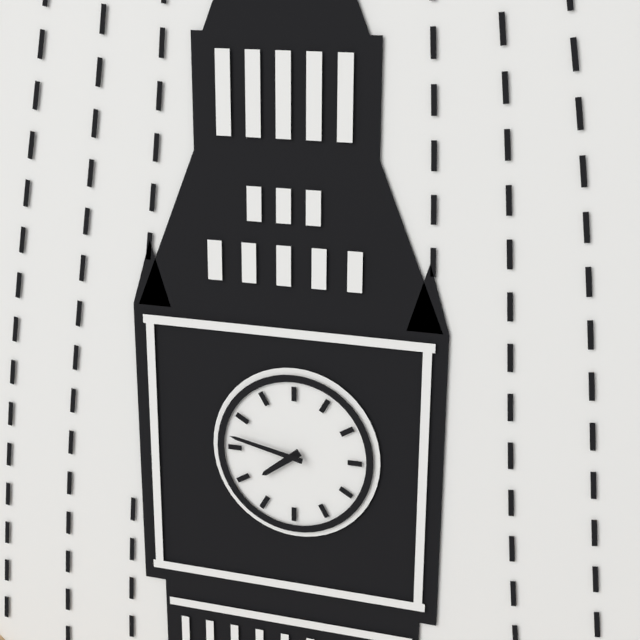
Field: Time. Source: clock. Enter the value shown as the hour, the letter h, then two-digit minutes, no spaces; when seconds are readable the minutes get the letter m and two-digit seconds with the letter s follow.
7h47
